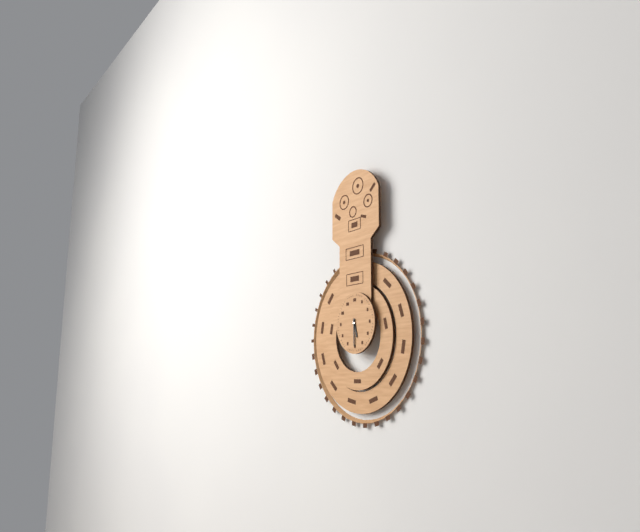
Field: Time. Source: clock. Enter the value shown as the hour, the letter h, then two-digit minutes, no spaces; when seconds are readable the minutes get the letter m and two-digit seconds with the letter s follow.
5h30
